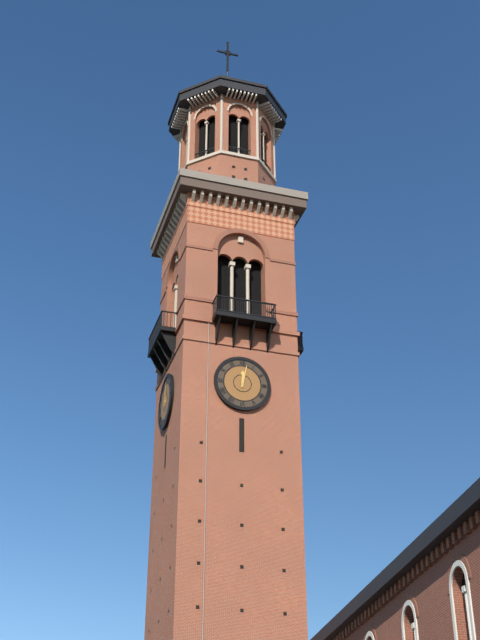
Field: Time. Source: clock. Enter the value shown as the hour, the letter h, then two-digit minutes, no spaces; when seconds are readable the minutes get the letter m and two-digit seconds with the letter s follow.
12h02
